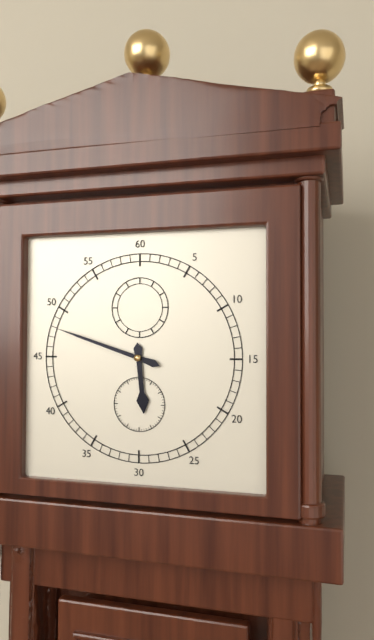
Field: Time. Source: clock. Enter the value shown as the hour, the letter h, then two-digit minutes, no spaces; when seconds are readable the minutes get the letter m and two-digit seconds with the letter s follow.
5h48
